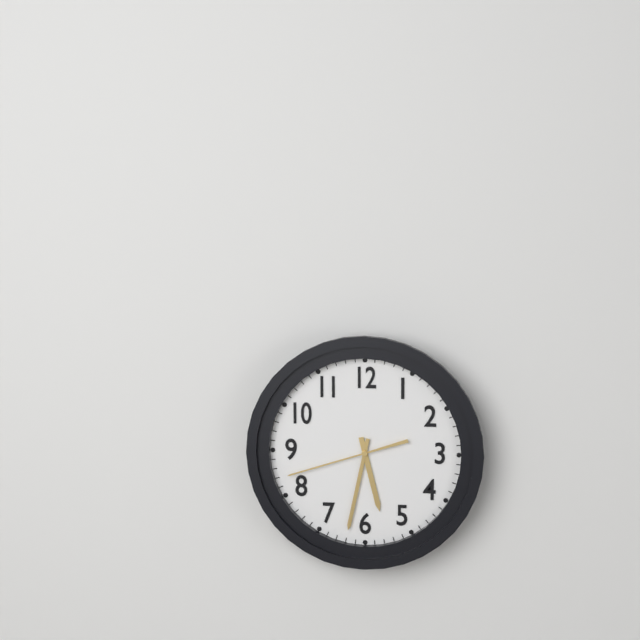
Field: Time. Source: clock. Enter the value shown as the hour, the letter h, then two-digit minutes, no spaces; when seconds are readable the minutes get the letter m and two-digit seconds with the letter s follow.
5h32m42s
